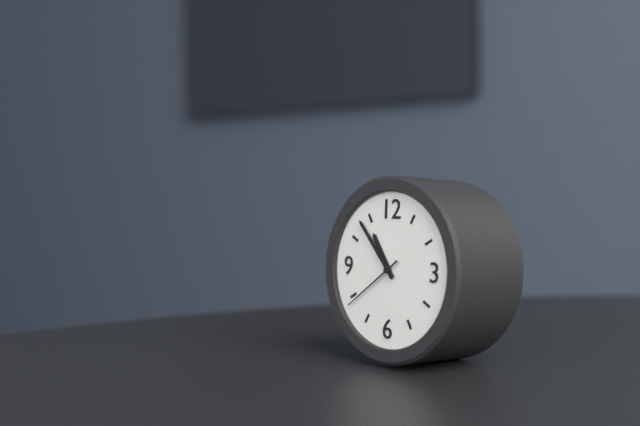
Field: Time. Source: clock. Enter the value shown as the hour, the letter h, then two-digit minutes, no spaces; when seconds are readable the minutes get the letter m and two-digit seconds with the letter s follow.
10h53m39s
